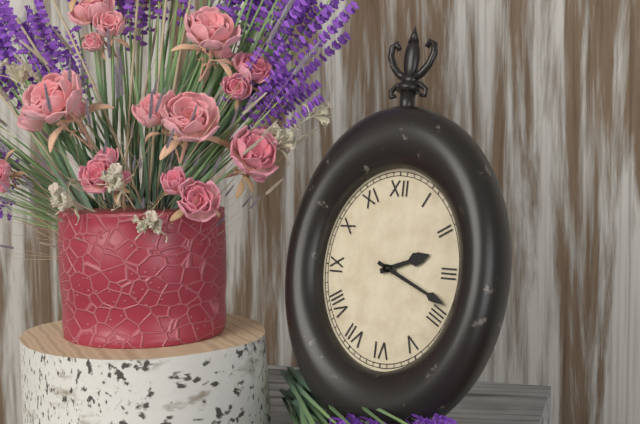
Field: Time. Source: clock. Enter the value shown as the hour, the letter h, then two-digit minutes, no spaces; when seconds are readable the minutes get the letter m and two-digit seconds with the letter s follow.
2h19
